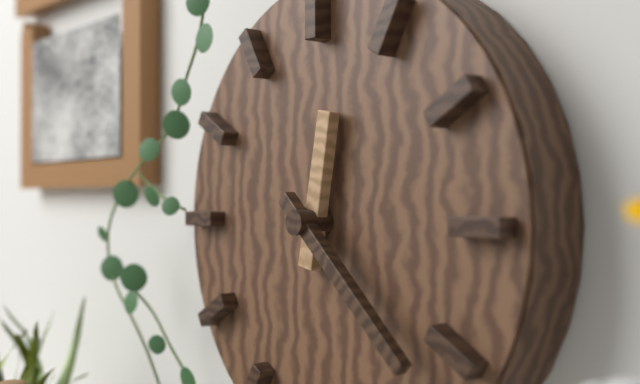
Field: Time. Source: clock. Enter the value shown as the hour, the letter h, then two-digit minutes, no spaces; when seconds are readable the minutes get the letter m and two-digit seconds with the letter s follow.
12h22
